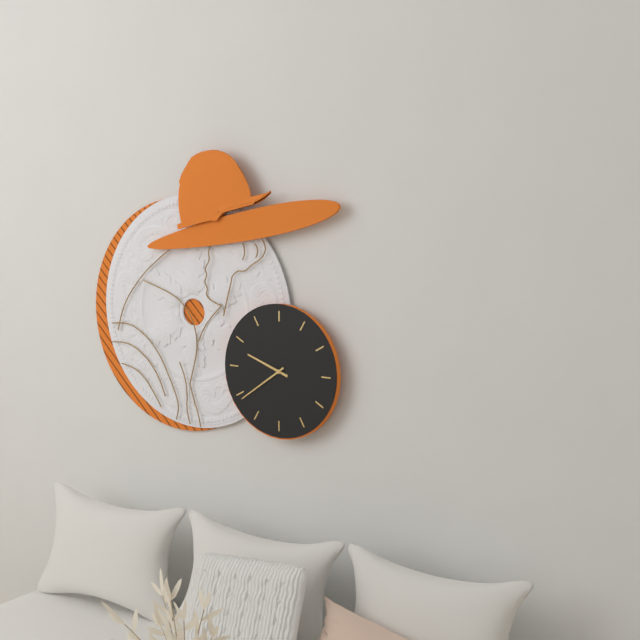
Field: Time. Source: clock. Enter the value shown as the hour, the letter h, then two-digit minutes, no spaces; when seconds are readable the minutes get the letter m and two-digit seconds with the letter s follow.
9h39
